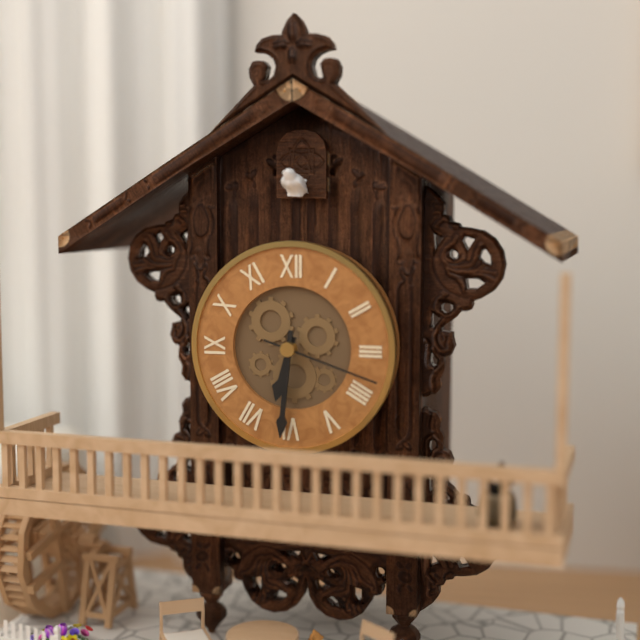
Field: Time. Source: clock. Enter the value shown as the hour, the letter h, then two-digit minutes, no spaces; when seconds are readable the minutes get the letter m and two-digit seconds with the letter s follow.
6h31m18s
